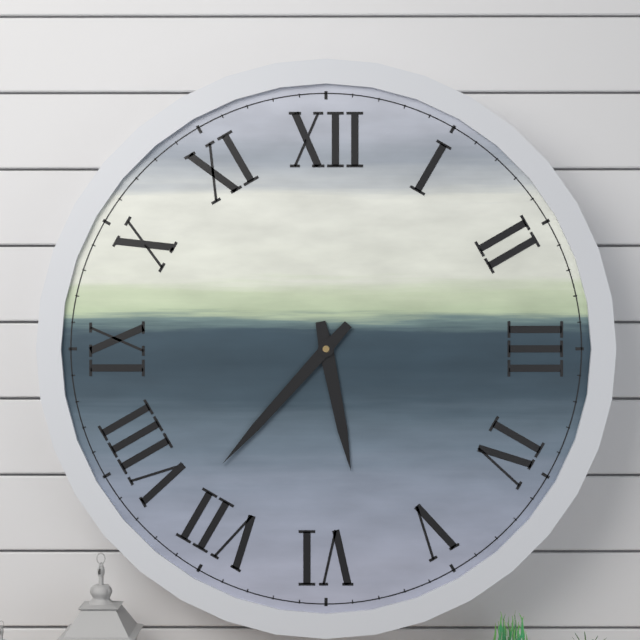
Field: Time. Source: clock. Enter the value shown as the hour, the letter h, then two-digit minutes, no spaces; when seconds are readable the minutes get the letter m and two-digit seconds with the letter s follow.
5h37
